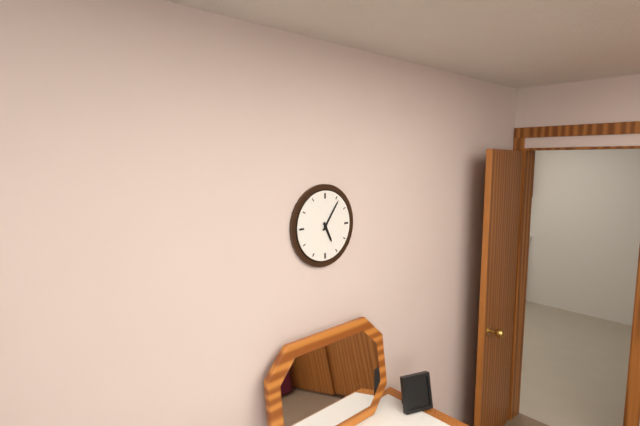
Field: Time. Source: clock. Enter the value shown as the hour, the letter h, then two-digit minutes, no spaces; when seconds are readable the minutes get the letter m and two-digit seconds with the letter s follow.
5h06
